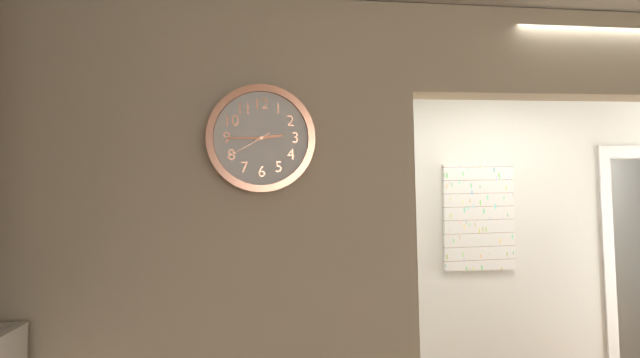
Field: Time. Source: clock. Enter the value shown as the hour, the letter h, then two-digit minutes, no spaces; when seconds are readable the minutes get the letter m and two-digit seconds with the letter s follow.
2h45m40s
